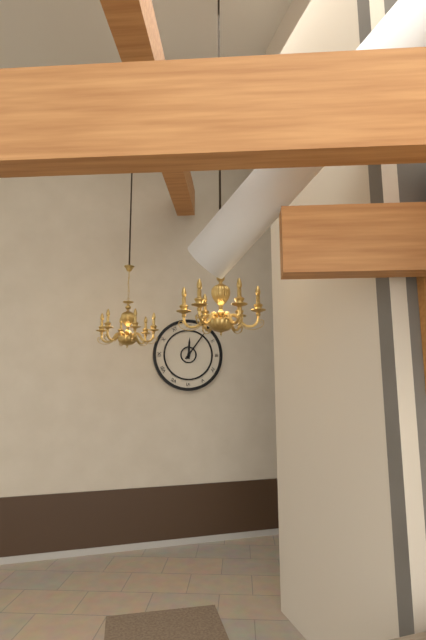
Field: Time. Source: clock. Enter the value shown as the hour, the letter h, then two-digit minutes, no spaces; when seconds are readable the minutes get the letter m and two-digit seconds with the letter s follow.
12h06
